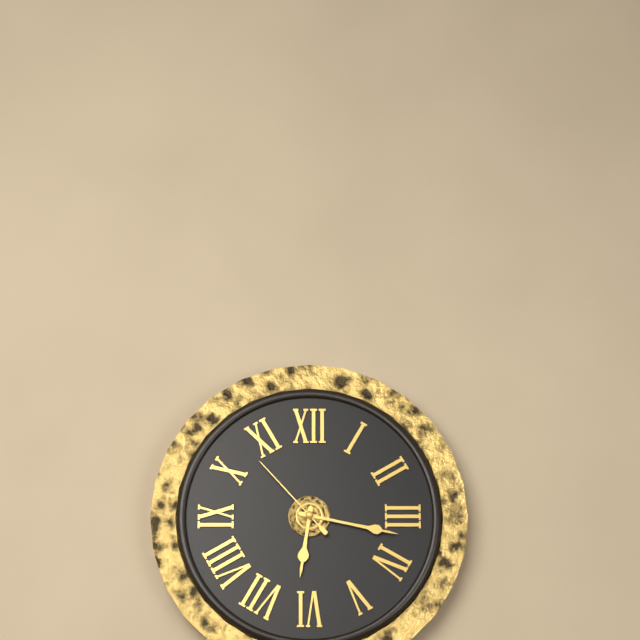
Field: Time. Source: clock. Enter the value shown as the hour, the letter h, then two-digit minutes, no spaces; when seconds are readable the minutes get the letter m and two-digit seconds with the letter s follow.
6h17m53s
